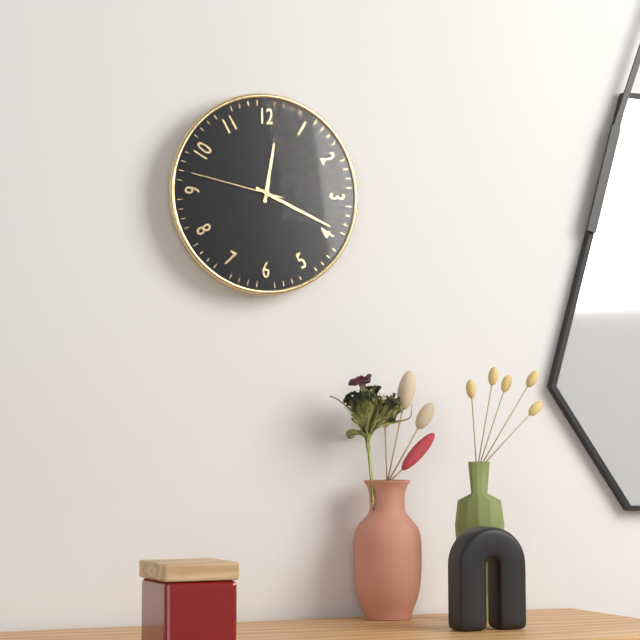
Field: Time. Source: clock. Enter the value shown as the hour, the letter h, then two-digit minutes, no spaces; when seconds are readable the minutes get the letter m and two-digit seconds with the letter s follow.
12h19m47s
